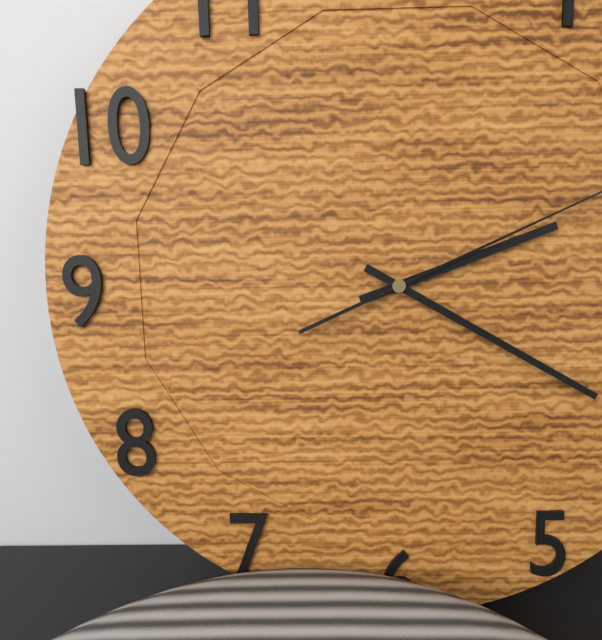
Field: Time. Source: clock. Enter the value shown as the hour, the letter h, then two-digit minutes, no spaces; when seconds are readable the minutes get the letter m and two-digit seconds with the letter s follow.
2h20
